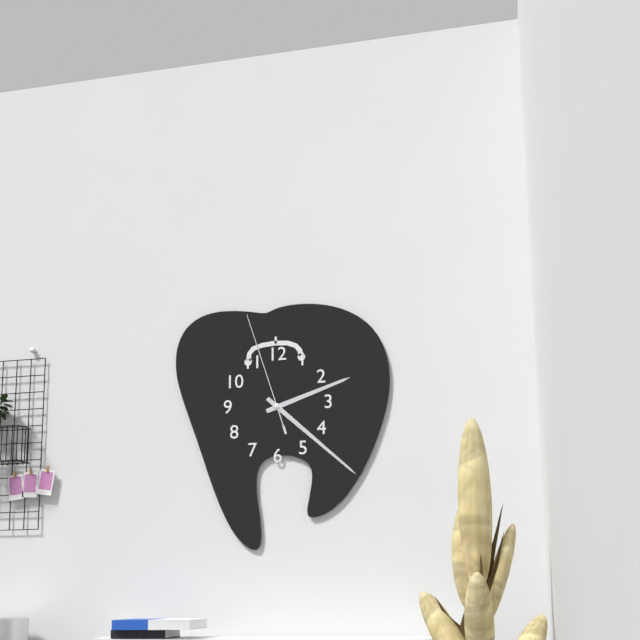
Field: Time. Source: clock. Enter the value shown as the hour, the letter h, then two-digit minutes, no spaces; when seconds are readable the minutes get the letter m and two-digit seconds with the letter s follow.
2h22m57s
